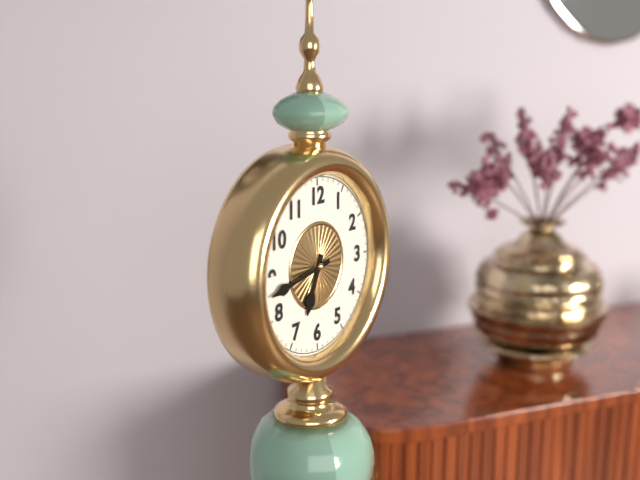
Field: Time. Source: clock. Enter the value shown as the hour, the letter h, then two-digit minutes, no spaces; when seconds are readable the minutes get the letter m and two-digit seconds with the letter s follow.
6h43
